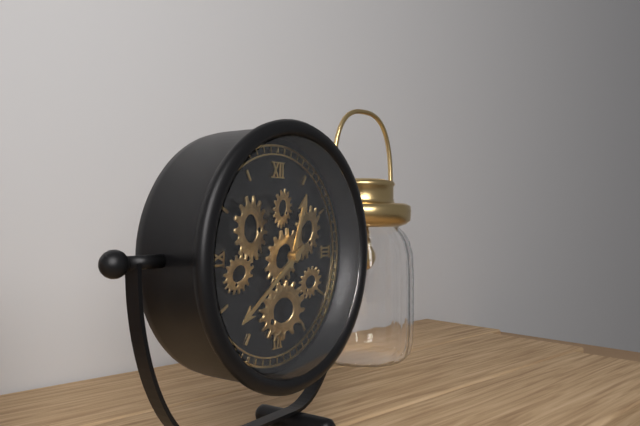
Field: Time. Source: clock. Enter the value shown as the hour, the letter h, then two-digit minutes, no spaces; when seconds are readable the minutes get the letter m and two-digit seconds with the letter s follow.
12h39
